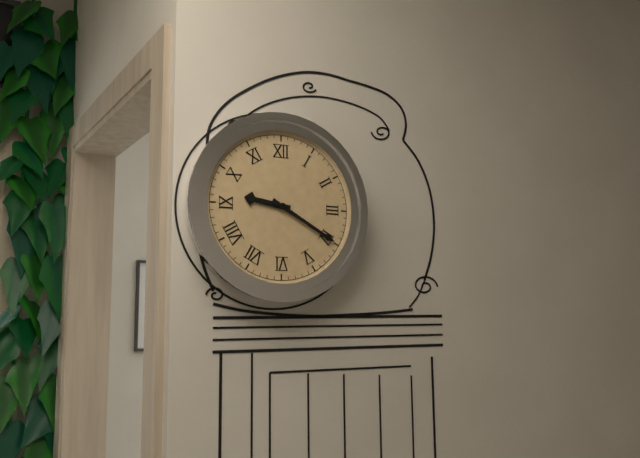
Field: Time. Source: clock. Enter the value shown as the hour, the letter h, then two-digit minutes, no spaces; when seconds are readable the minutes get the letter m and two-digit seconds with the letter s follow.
9h20
